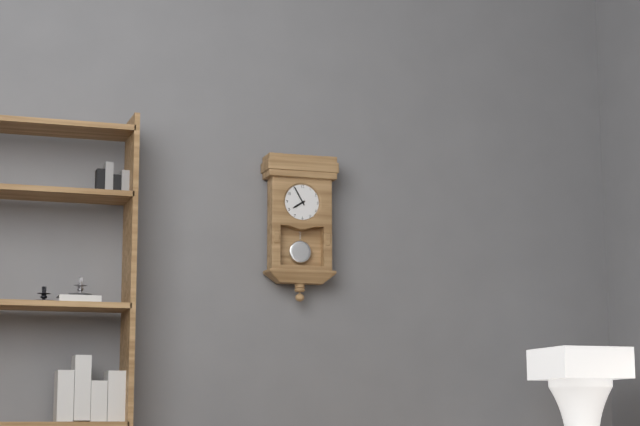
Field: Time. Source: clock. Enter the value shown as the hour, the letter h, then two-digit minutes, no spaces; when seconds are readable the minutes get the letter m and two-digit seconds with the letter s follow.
7h55
